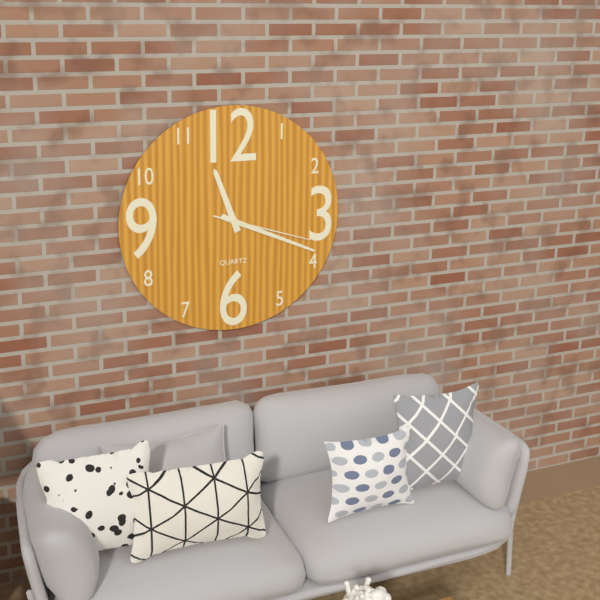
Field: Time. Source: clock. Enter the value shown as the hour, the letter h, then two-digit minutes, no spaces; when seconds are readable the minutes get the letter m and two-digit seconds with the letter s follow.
11h19m18s
